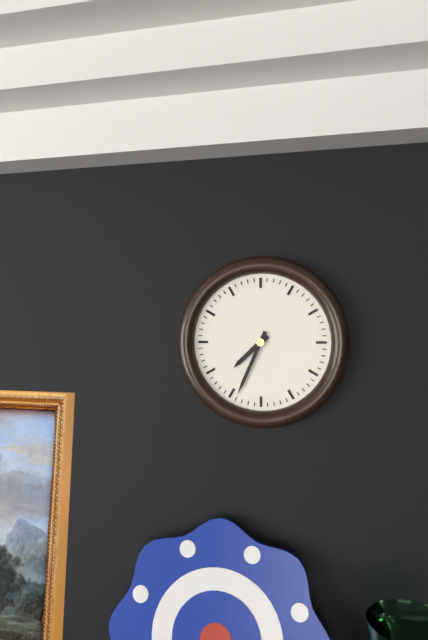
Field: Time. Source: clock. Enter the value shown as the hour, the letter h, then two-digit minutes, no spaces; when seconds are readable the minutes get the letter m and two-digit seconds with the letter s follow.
7h34
